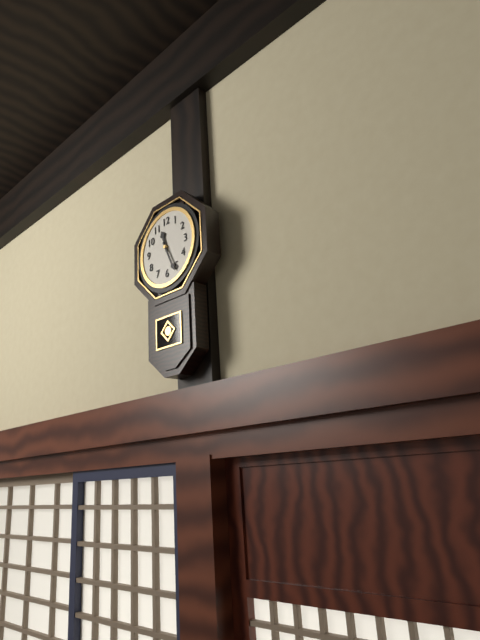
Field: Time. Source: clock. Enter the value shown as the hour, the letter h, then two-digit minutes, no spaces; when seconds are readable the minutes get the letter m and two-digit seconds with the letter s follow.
11h26
